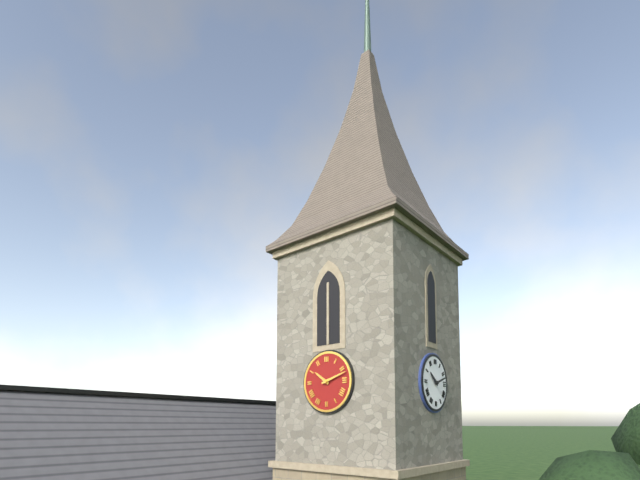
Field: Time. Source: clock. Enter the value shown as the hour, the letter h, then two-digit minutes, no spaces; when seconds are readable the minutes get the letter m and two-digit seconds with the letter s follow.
10h12
